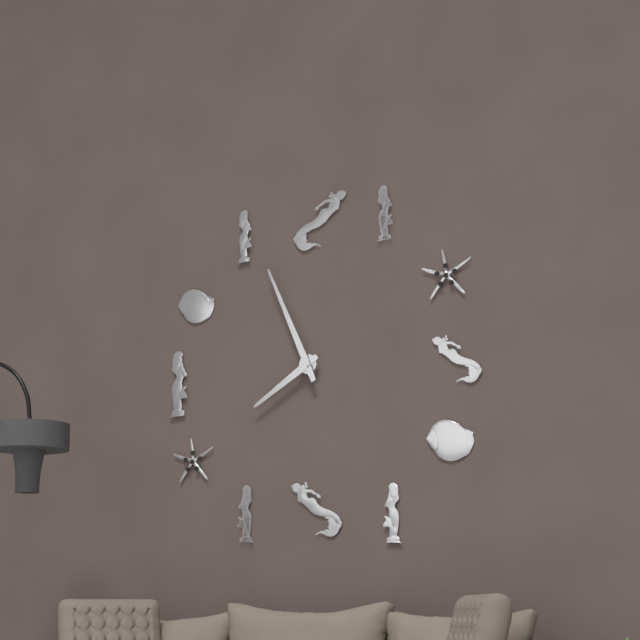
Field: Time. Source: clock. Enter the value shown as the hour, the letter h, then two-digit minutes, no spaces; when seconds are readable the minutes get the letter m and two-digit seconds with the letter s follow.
7h56
